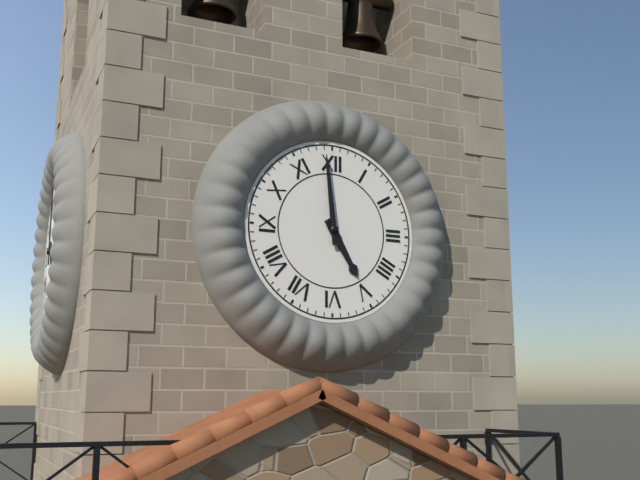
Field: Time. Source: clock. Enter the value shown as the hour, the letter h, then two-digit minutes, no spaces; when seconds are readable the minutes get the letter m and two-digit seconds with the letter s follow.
4h59
